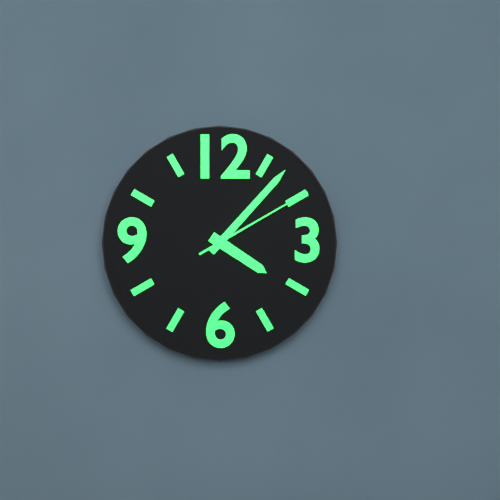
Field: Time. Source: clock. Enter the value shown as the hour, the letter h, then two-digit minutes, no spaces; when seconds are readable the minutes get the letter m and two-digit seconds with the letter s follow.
4h07m10s
